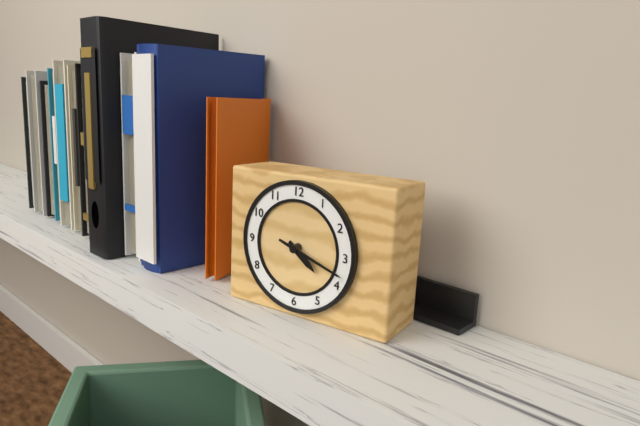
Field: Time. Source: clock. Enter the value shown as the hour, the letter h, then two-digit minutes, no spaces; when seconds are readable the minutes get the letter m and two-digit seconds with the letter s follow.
4h18
